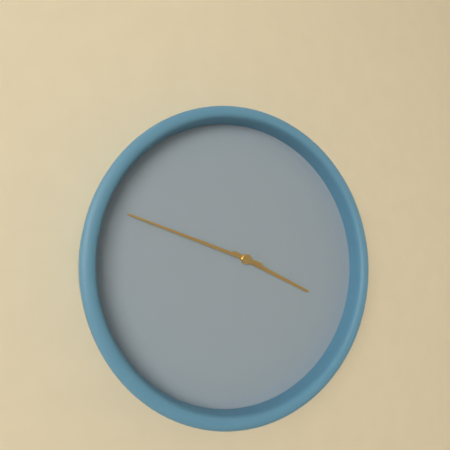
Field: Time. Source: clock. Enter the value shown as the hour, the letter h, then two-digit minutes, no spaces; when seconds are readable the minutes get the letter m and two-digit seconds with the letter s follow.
3h48
